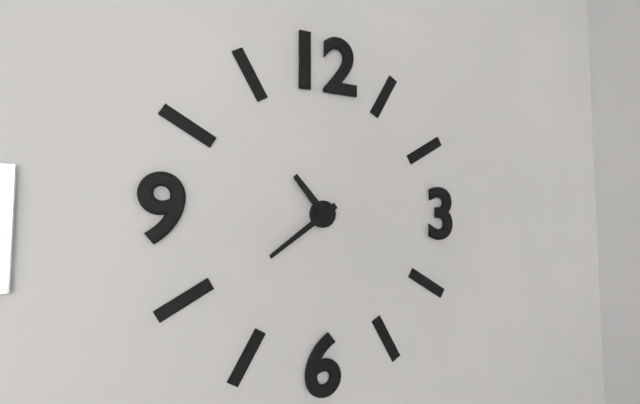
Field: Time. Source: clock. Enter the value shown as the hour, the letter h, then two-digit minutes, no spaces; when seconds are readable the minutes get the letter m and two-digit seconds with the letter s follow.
10h39
